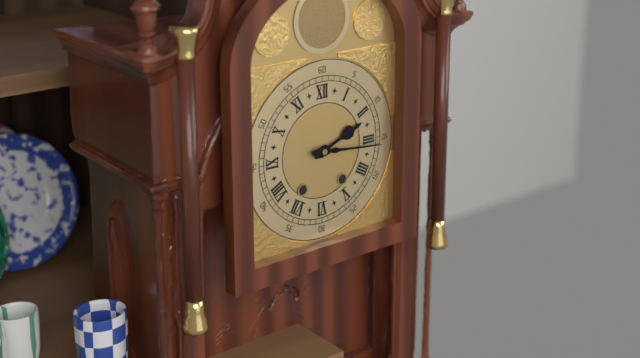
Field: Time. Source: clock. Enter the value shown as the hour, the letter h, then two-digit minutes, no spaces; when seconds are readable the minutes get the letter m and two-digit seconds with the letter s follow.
2h16
